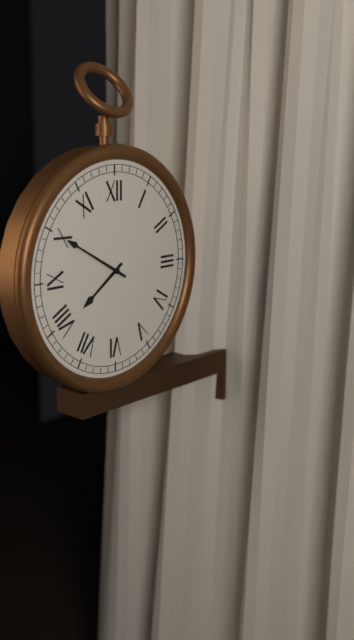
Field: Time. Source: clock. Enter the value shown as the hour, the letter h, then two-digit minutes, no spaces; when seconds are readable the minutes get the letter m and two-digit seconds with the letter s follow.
7h50
